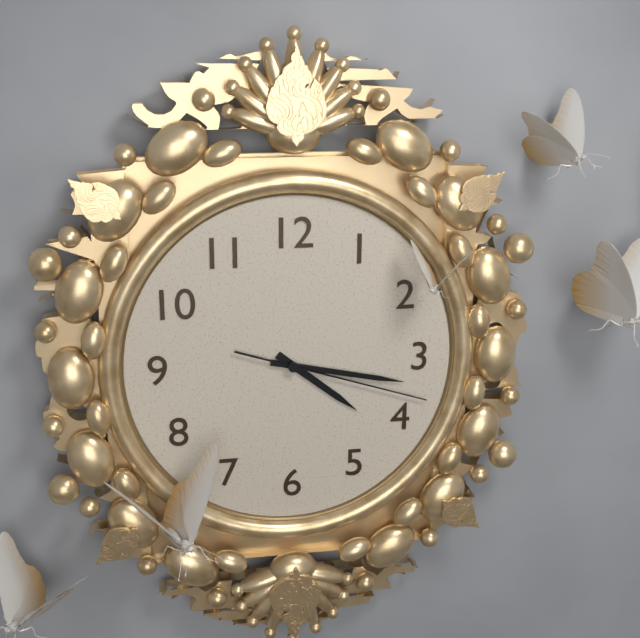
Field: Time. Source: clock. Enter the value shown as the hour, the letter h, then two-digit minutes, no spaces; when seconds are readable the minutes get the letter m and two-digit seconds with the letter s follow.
4h17m18s
